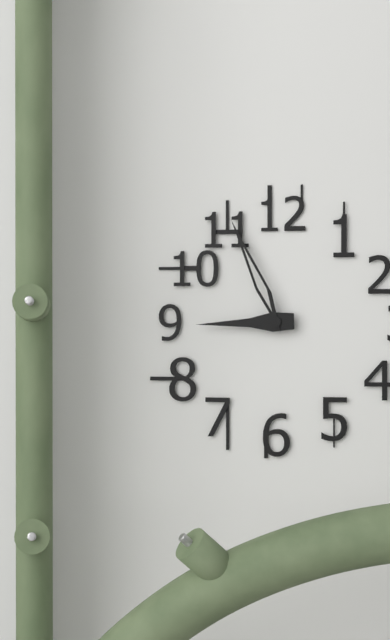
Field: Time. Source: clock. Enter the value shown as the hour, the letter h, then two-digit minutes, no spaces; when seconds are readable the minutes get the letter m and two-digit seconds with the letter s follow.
8h56
